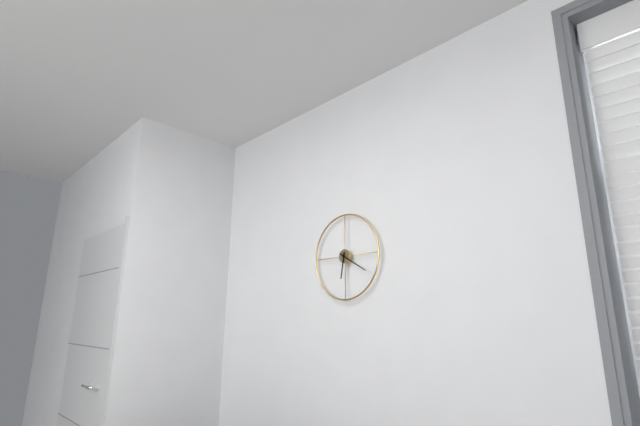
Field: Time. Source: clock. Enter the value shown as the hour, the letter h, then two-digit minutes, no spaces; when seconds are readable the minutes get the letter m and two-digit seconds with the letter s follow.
6h20
